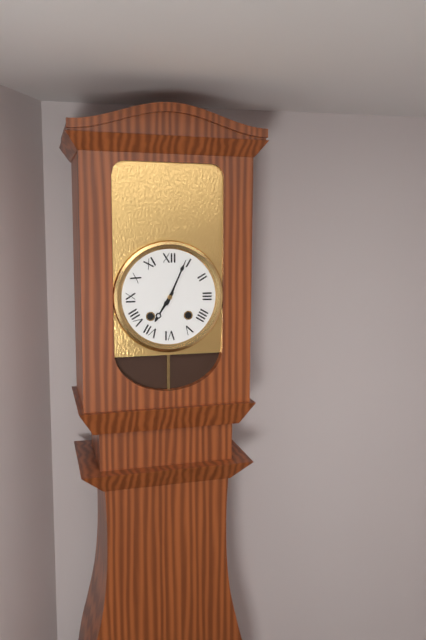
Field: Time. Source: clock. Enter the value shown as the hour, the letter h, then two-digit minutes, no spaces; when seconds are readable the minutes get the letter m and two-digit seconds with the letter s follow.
7h04
